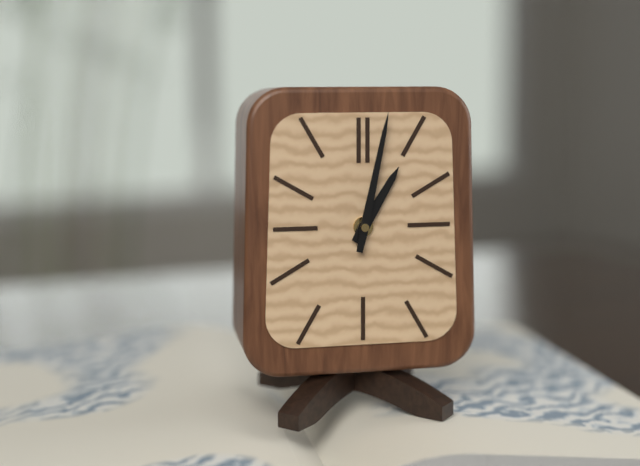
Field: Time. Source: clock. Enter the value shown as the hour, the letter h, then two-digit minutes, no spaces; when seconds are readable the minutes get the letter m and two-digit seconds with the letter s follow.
1h02
